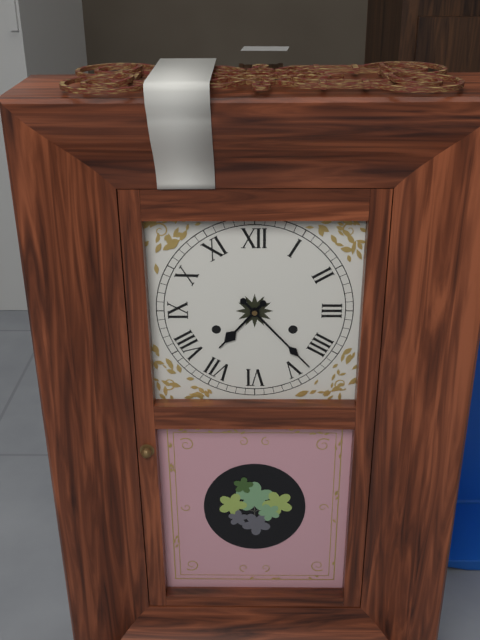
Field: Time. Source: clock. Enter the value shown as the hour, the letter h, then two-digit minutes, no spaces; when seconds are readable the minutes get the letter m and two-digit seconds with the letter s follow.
7h23
